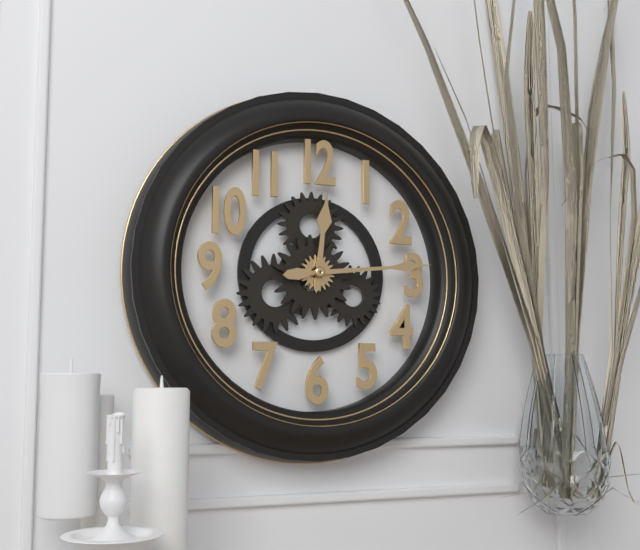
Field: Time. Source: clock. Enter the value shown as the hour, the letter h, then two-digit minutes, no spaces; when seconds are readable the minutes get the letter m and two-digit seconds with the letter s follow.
12h14
